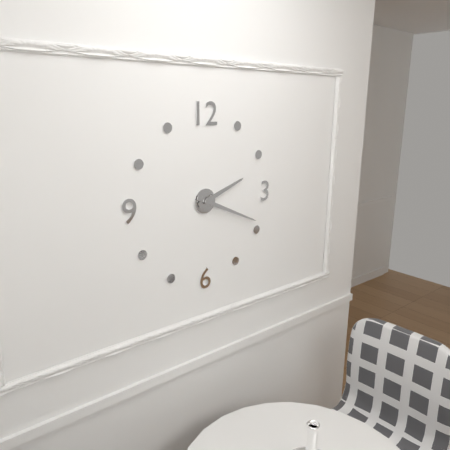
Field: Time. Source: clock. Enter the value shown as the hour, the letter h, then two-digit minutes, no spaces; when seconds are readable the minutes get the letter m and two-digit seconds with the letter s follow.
2h19
